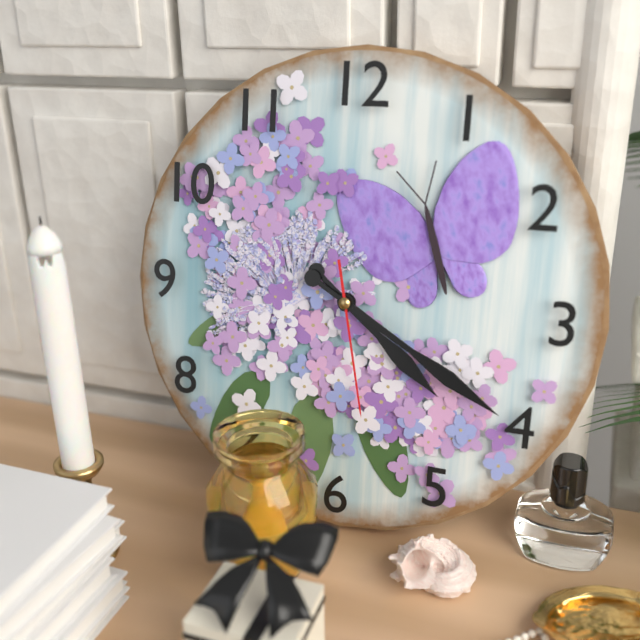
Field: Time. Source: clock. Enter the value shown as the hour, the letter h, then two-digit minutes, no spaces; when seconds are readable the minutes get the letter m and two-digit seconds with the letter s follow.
4h20m28s
